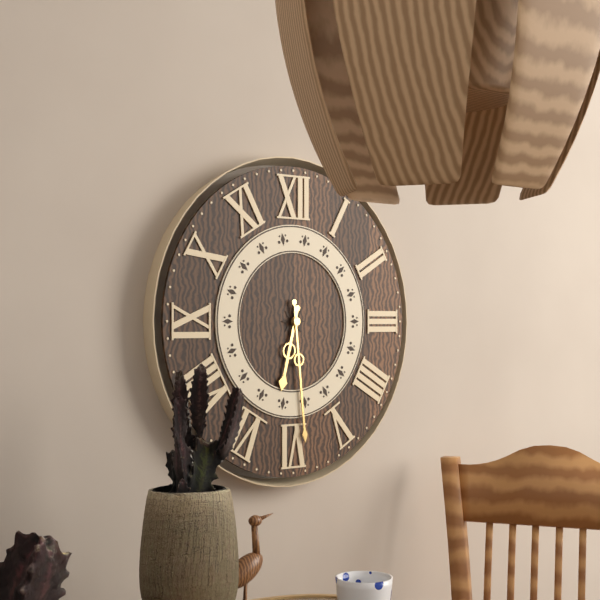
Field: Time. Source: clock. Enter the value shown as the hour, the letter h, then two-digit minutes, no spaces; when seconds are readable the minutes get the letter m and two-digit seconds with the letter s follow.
6h29
